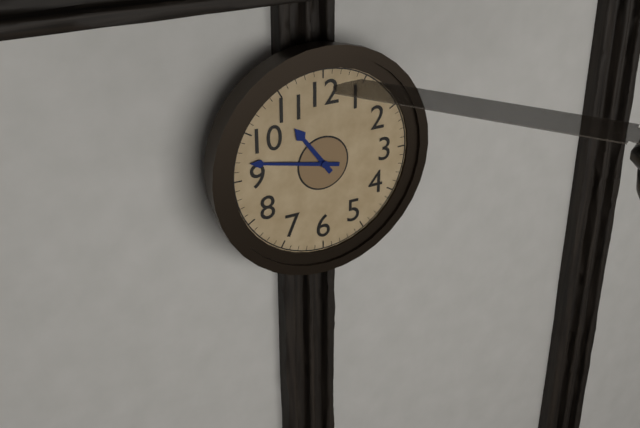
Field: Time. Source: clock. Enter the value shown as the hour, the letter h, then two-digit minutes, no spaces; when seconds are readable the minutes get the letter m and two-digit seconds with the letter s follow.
10h47
